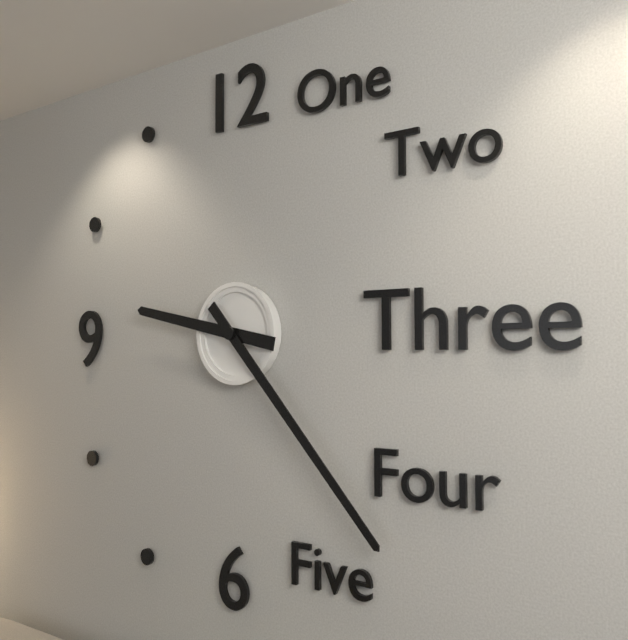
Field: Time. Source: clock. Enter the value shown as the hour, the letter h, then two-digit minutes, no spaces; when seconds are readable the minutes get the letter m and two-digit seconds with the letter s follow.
9h23
